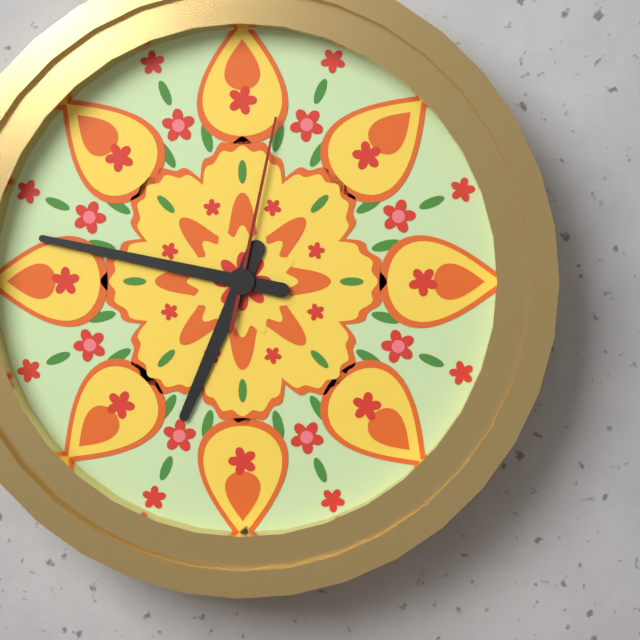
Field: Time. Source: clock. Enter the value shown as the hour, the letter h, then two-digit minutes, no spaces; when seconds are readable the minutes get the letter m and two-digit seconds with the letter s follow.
6h47m02s
